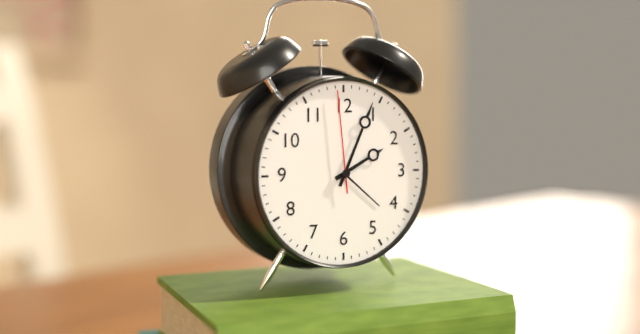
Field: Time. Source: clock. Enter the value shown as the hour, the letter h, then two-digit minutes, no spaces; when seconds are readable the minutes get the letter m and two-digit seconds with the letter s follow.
2h04m59s
